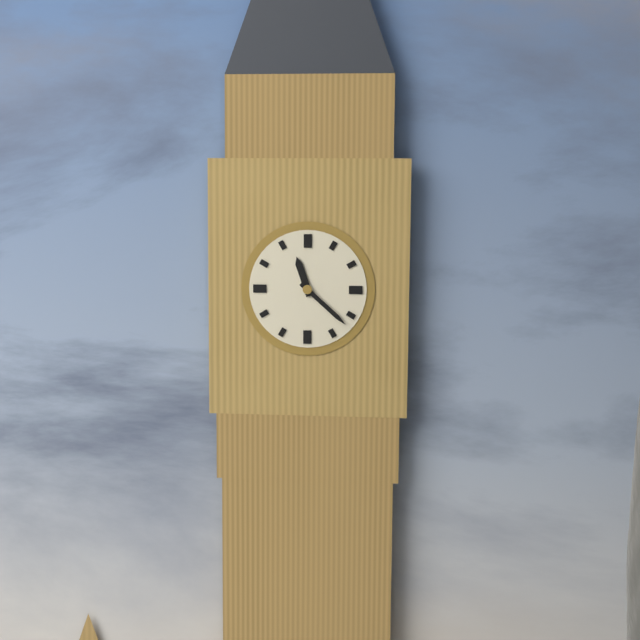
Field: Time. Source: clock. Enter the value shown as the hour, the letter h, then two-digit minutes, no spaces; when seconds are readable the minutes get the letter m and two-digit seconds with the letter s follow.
11h22
